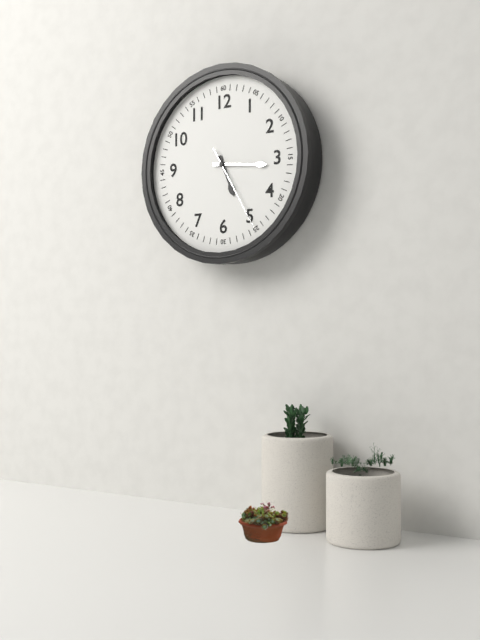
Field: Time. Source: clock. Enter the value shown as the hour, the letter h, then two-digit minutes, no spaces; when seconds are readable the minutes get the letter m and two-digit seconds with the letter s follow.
5h16m25s
